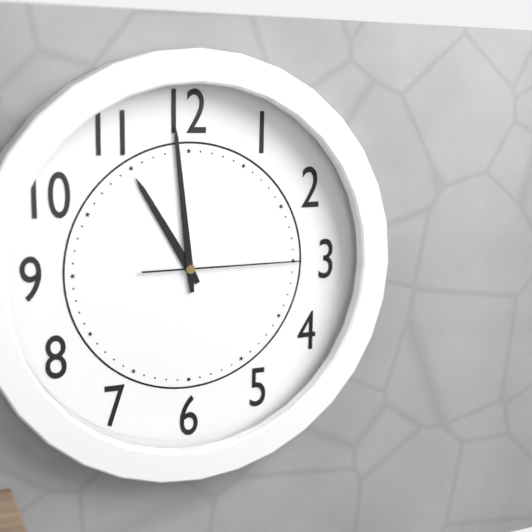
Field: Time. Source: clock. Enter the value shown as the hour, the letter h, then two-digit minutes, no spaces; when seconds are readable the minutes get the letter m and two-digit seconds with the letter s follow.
10h59m15s
